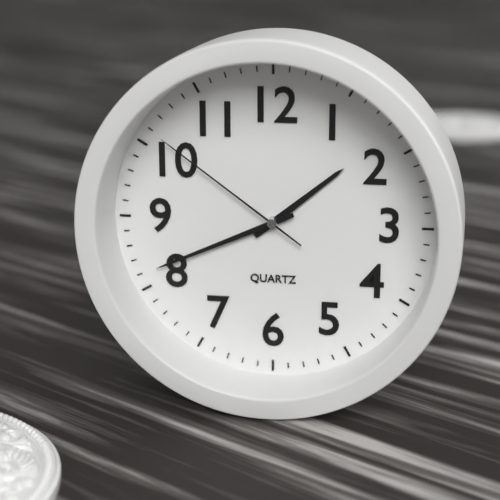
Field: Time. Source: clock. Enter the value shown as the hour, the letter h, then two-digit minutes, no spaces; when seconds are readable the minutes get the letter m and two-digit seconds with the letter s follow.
1h41m51s
